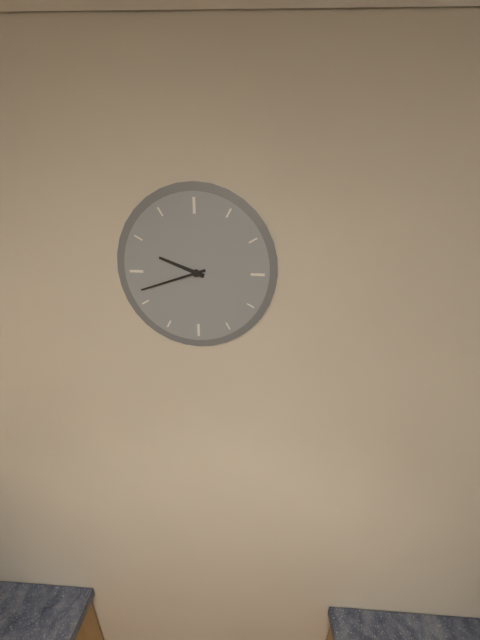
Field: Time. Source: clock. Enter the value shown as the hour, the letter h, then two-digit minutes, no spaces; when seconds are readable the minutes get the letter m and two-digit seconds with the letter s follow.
9h42
